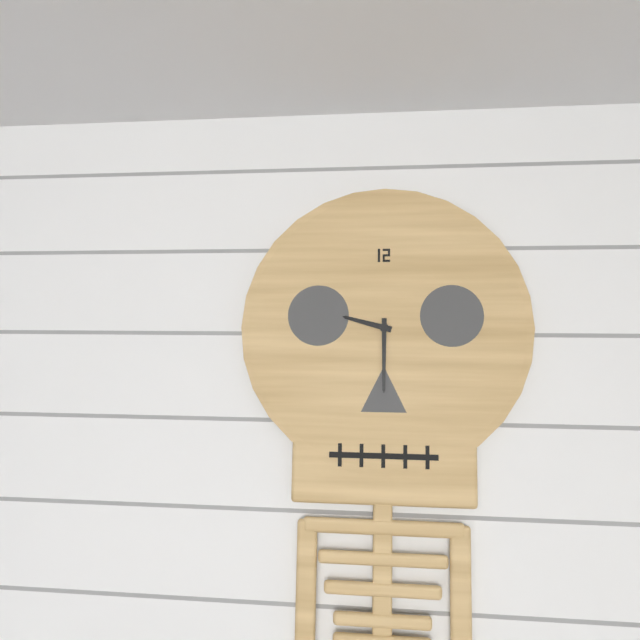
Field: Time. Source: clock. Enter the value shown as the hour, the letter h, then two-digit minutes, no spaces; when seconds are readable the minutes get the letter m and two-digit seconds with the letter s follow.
9h30
